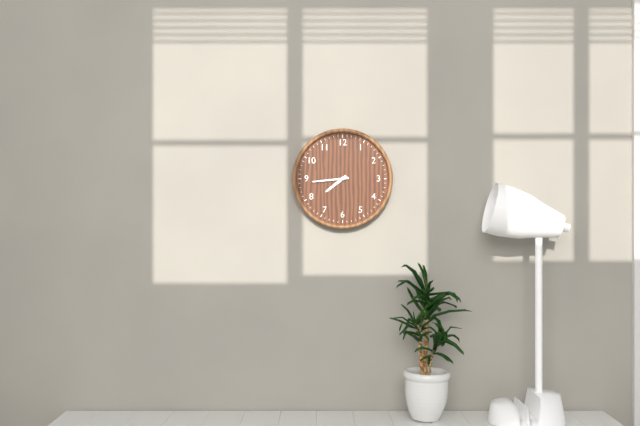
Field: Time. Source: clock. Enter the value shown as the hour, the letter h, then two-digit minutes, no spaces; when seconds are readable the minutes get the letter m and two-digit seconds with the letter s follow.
7h44
